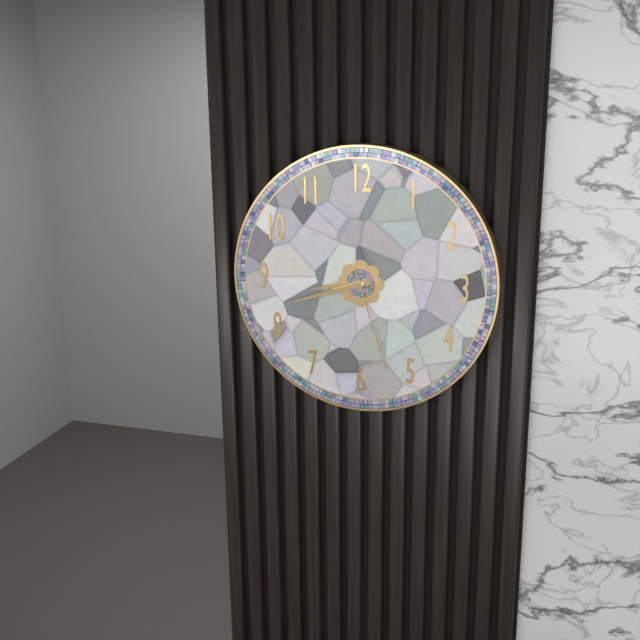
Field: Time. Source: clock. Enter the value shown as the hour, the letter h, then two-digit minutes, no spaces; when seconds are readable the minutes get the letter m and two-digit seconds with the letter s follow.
8h42m27s
